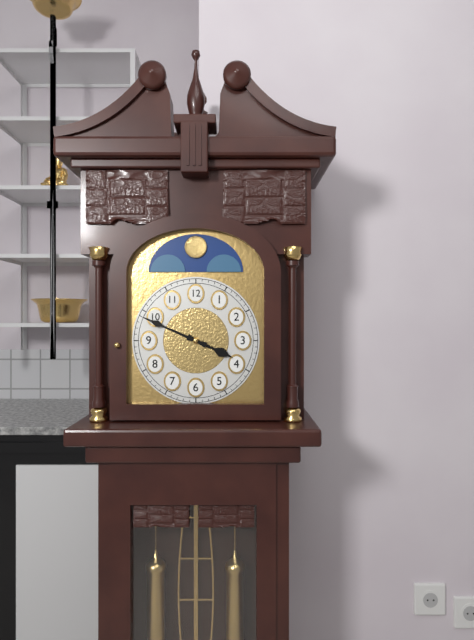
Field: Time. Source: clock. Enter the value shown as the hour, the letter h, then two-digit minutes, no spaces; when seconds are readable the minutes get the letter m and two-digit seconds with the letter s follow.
3h49
